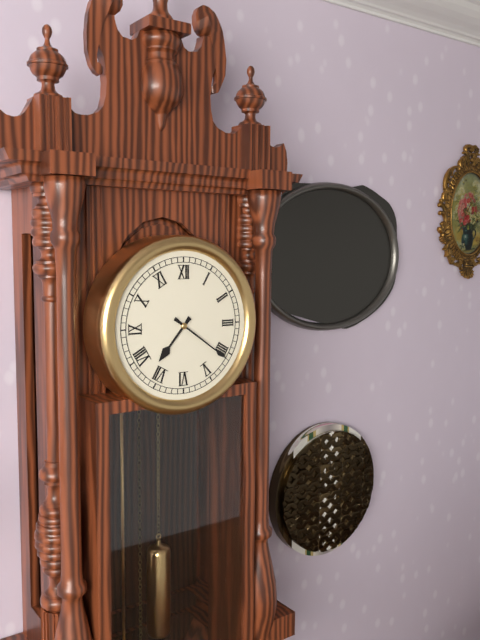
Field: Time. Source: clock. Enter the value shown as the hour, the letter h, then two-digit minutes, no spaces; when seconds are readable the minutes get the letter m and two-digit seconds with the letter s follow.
7h21
